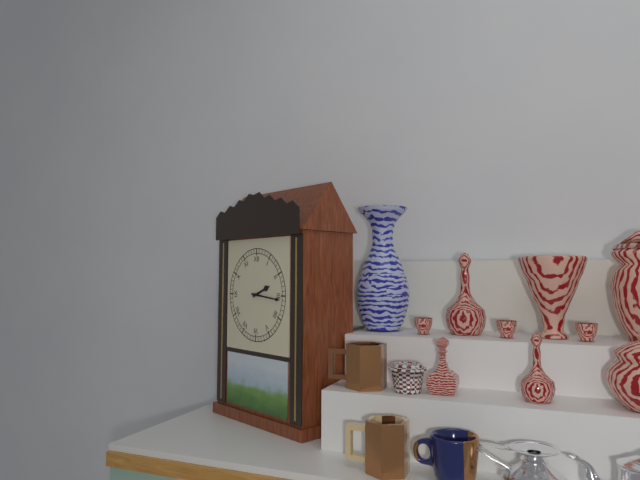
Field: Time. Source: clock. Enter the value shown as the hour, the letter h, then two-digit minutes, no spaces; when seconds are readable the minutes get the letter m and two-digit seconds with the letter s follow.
2h16
